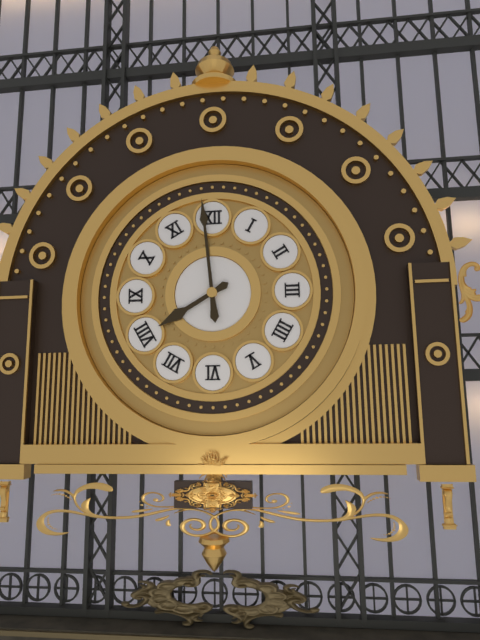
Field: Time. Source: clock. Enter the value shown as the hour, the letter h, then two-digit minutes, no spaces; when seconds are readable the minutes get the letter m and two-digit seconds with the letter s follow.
7h59
